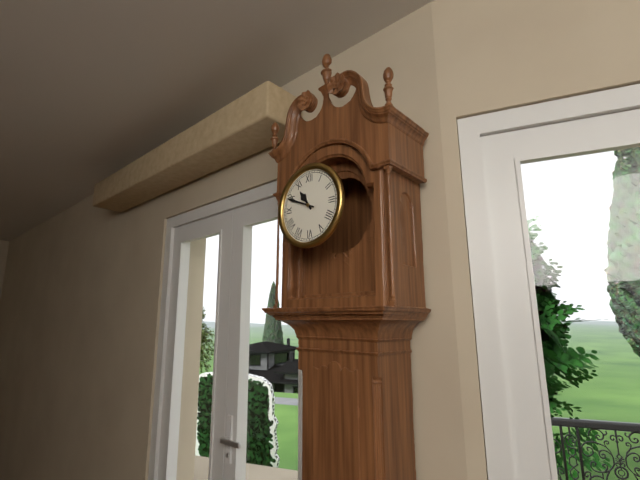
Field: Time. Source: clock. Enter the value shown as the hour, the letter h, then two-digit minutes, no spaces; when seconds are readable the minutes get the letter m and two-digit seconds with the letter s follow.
10h49
